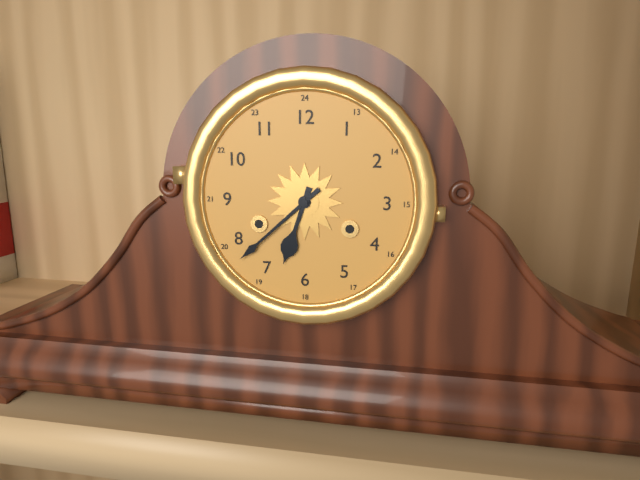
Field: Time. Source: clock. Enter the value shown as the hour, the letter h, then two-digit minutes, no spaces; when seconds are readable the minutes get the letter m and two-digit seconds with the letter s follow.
6h38
